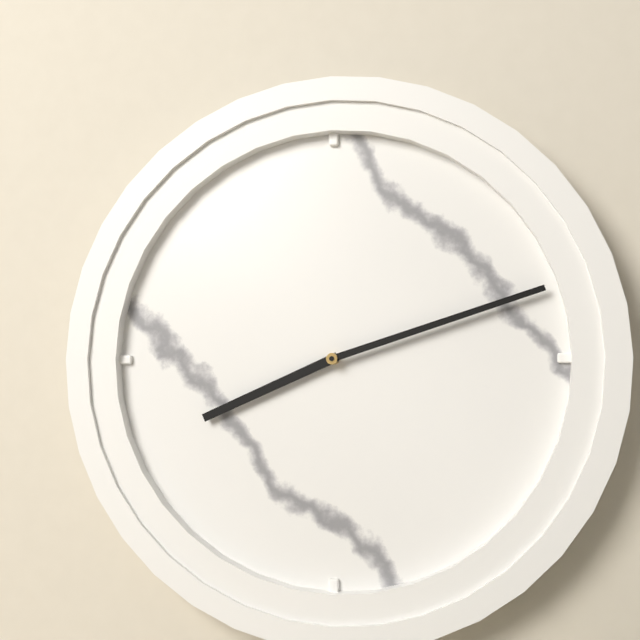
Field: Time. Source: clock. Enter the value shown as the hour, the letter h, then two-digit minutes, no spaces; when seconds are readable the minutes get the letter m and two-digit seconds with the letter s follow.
8h12
